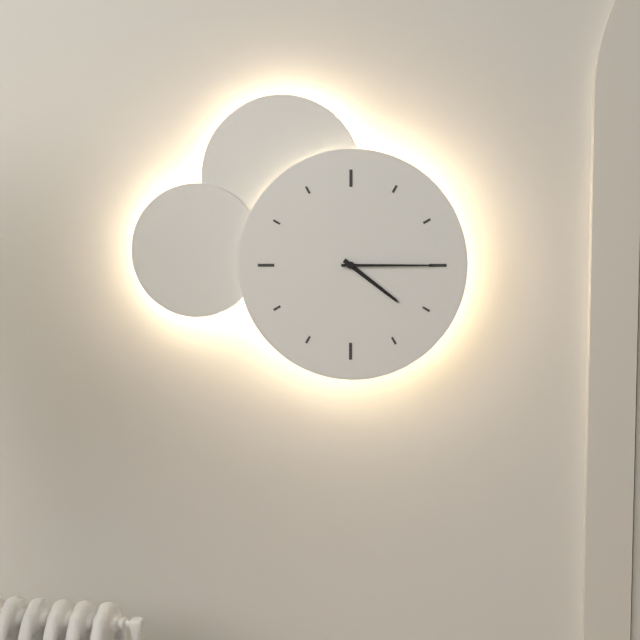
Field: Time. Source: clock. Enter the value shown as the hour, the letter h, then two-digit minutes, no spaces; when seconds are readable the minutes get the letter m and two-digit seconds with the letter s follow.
4h15
